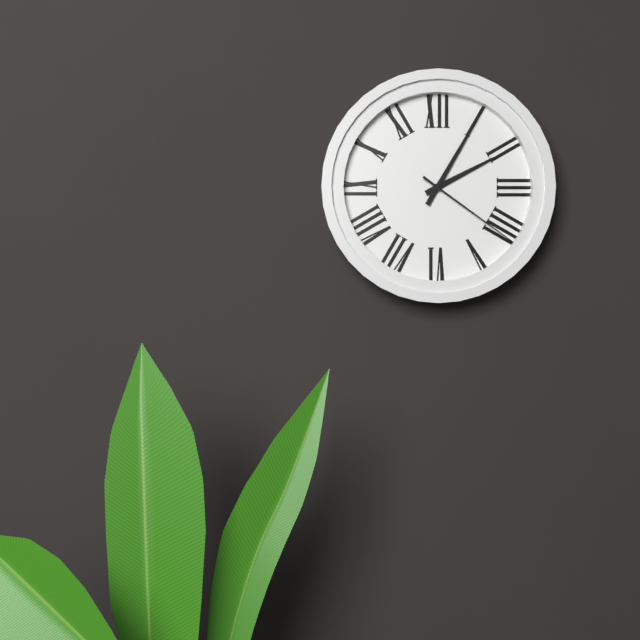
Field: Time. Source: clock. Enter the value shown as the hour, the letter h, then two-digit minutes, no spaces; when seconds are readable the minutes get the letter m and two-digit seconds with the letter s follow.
2h05m21s
